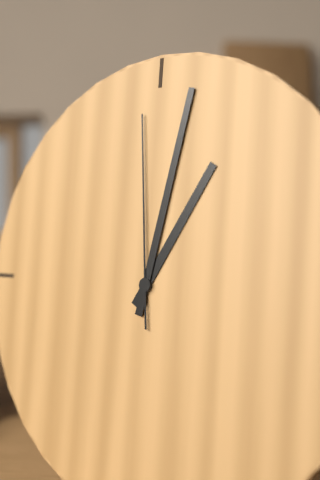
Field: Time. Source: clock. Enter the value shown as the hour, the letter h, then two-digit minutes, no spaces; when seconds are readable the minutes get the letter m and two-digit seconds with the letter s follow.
1h02m59s
